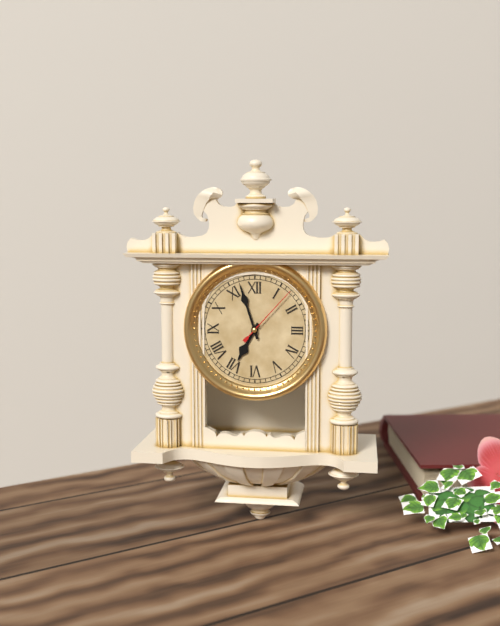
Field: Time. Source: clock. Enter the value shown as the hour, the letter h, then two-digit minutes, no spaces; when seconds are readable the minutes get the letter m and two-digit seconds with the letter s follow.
6h57m07s
